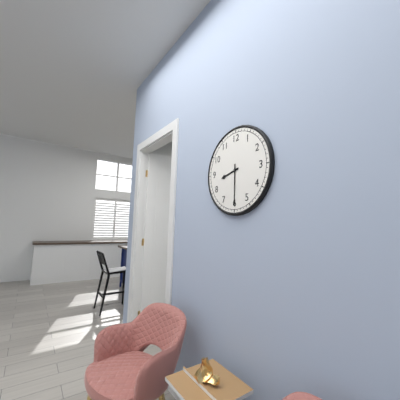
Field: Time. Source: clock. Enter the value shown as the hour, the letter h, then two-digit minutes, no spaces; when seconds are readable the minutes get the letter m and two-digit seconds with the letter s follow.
8h30
